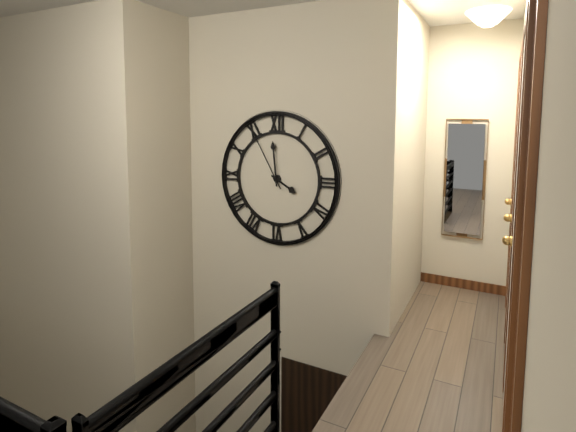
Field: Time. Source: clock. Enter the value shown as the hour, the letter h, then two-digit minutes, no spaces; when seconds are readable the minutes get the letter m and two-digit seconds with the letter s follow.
3h59m55s
